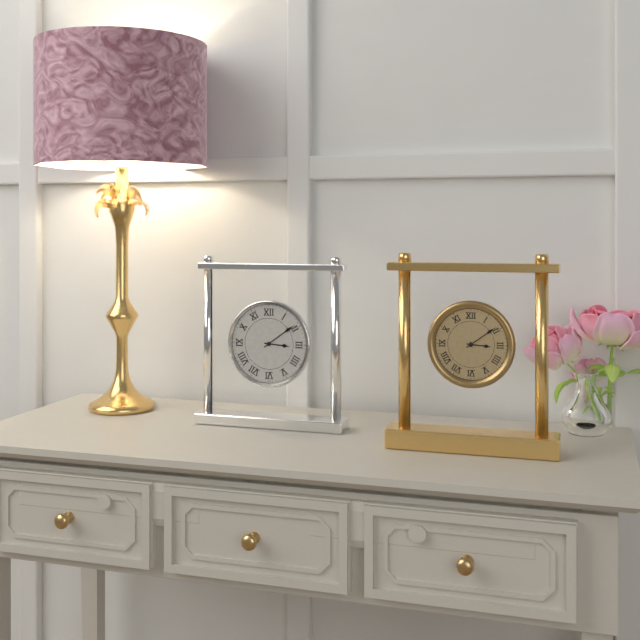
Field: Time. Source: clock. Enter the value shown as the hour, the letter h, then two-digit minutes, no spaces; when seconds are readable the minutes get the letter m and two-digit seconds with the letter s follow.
3h09
